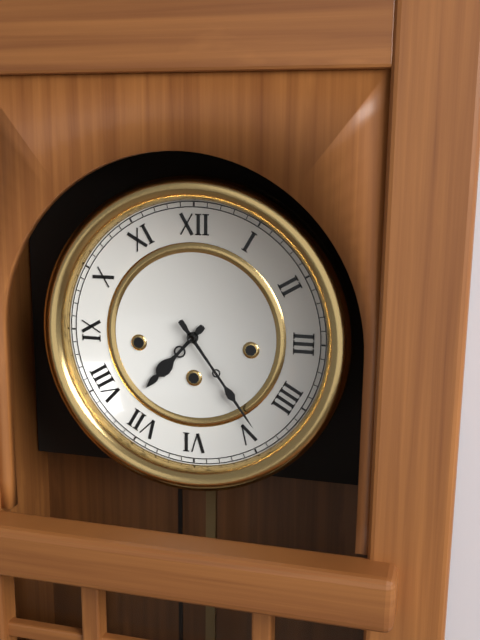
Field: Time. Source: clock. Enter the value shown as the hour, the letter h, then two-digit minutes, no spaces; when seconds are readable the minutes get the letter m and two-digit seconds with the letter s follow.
7h24
